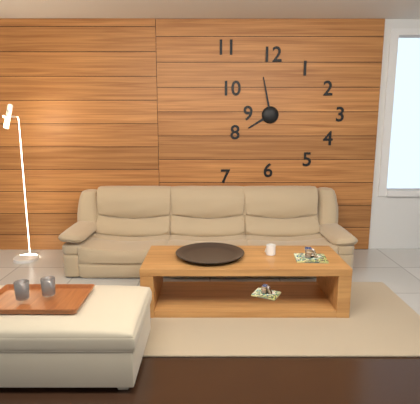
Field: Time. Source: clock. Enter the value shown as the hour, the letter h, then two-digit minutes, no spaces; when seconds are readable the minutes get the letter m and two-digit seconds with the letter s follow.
7h58
